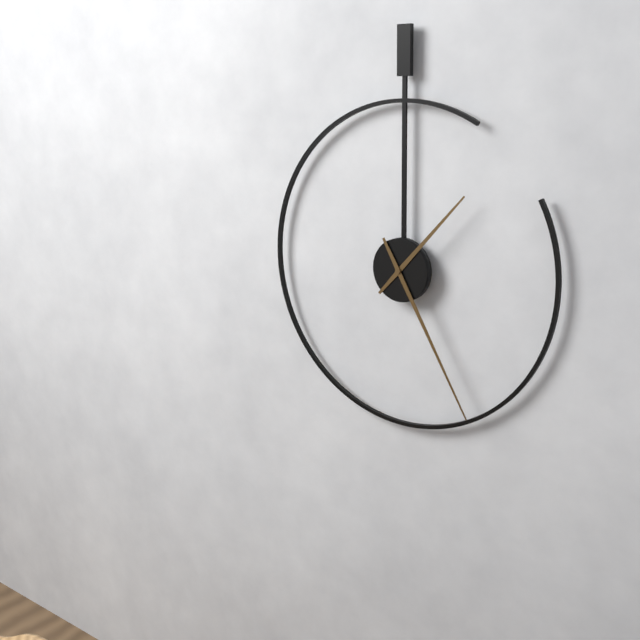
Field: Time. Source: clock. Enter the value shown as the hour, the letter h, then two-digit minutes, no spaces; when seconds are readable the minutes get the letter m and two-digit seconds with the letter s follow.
1h25
